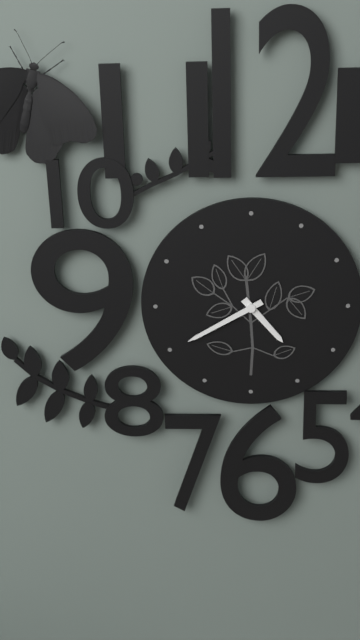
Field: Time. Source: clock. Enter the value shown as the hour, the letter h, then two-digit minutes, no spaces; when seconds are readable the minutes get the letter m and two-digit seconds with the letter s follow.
4h40
